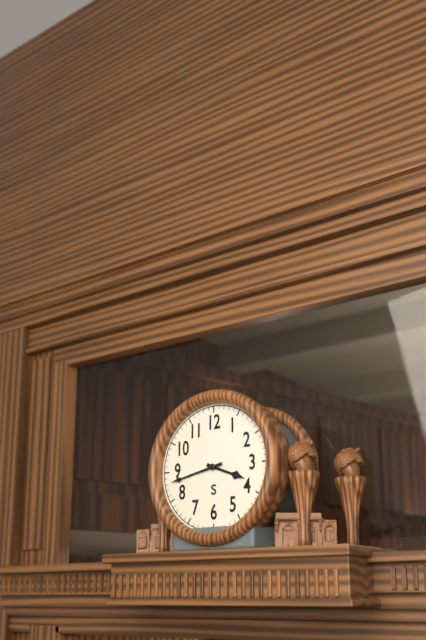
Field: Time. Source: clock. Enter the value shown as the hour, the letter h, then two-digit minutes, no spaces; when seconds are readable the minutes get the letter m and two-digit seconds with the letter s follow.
3h43
